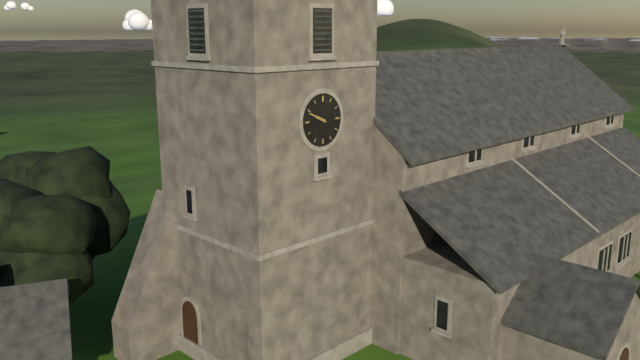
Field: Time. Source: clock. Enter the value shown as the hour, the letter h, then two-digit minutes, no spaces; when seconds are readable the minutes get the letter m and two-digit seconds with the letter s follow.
9h49
